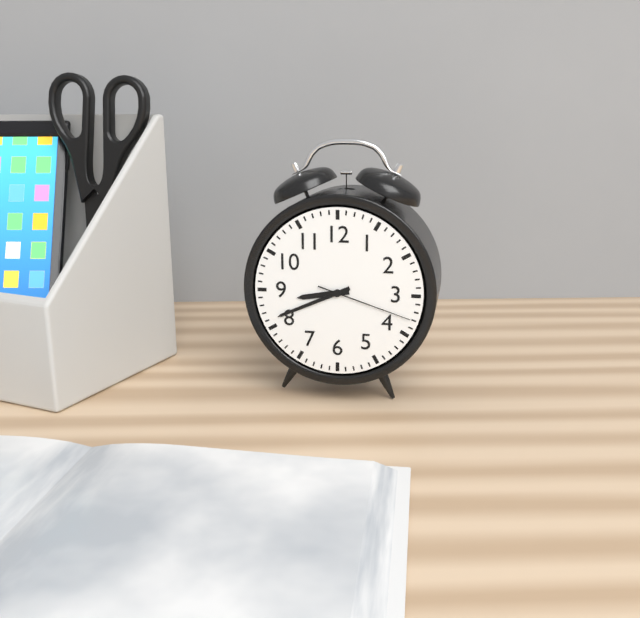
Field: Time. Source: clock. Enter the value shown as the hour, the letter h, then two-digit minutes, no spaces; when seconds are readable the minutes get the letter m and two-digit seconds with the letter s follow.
8h41m18s
